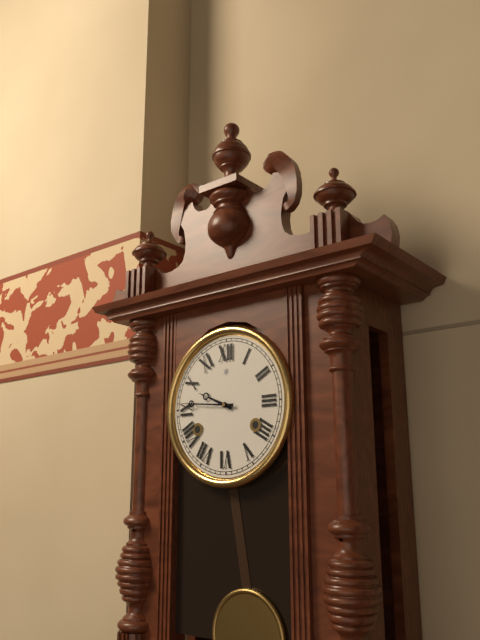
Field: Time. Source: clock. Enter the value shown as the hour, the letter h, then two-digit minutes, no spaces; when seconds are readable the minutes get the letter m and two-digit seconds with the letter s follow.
9h46
